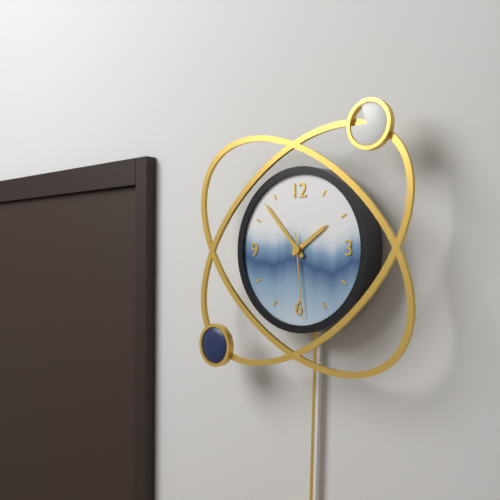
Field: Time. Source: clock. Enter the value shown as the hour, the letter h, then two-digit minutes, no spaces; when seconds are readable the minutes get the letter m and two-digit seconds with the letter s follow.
1h53m29s
